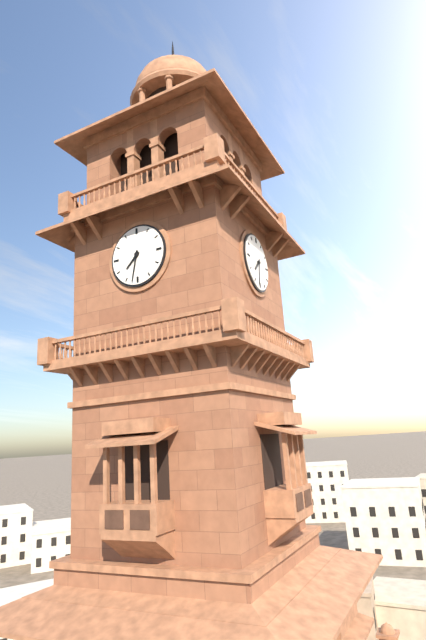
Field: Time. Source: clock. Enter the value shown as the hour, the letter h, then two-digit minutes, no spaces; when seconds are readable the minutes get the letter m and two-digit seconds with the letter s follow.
7h32
